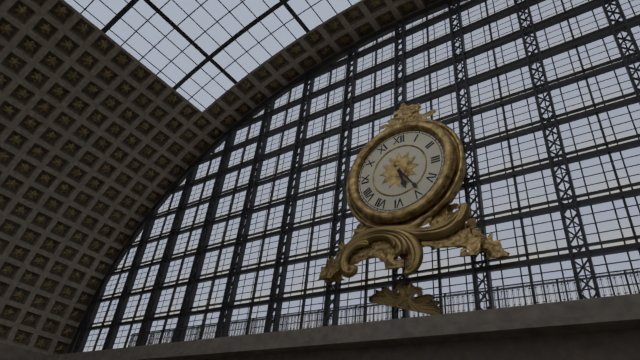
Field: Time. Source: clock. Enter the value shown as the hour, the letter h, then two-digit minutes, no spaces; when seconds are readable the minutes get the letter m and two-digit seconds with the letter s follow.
5h24
